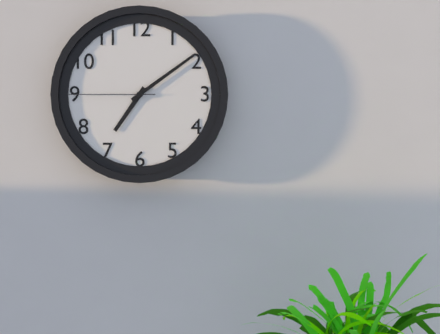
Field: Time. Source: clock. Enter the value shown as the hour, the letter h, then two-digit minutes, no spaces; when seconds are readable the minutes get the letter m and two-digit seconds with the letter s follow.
7h09m45s
